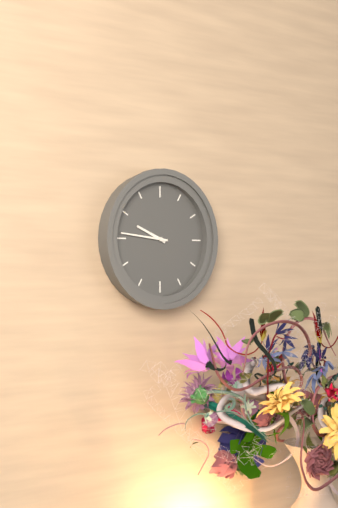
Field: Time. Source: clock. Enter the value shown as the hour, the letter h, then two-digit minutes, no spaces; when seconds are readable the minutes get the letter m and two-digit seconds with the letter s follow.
9h46
